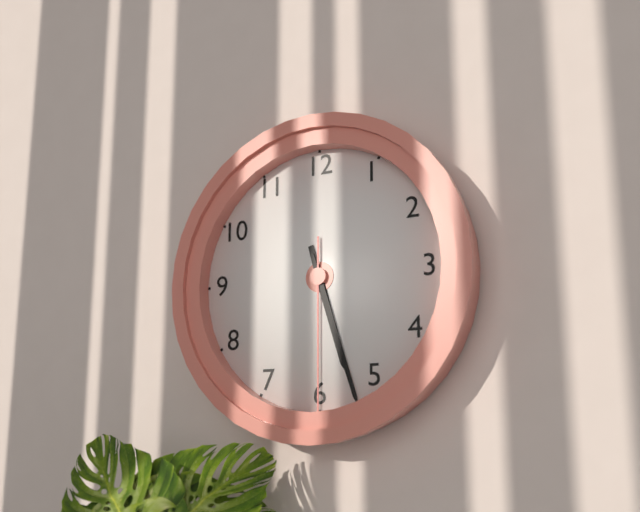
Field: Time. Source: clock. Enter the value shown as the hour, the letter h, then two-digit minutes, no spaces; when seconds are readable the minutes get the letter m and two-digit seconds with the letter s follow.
5h27m30s
